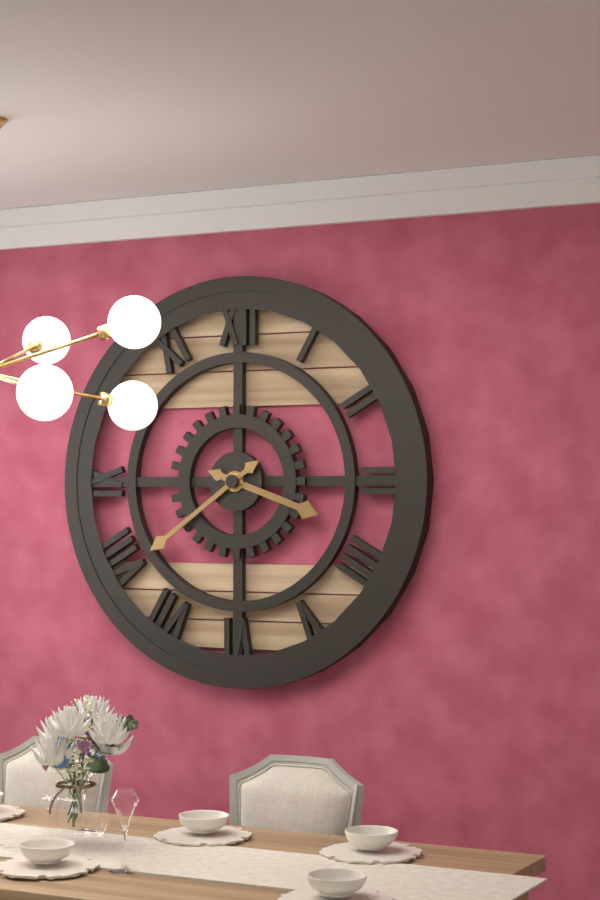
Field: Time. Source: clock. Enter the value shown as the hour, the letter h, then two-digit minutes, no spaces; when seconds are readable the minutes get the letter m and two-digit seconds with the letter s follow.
3h39
